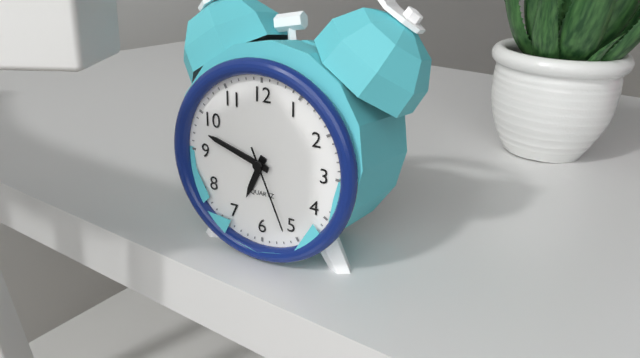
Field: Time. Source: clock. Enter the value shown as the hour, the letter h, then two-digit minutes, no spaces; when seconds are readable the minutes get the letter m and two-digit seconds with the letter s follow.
6h48m26s
